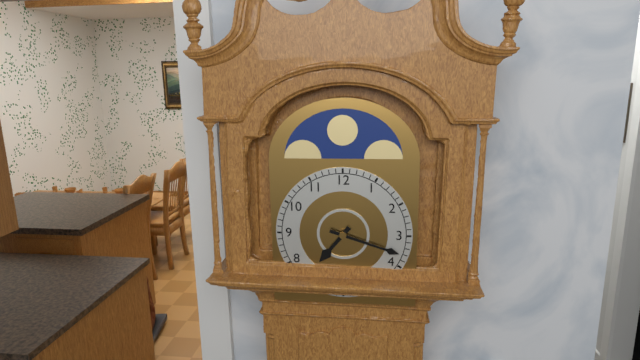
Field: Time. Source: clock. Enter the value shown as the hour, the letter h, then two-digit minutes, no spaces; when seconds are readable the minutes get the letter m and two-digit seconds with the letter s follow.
7h18
